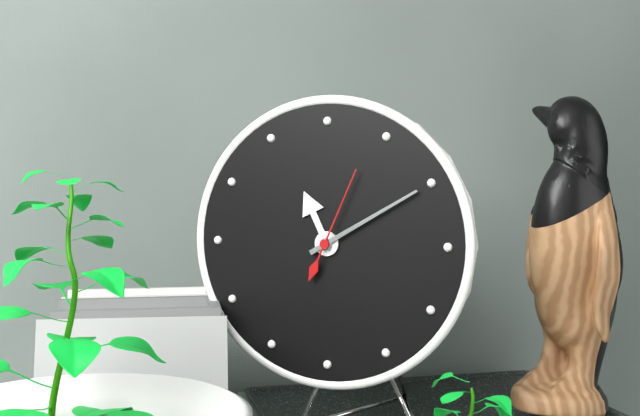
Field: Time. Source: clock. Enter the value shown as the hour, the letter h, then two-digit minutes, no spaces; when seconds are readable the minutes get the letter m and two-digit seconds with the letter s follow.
11h10m04s
